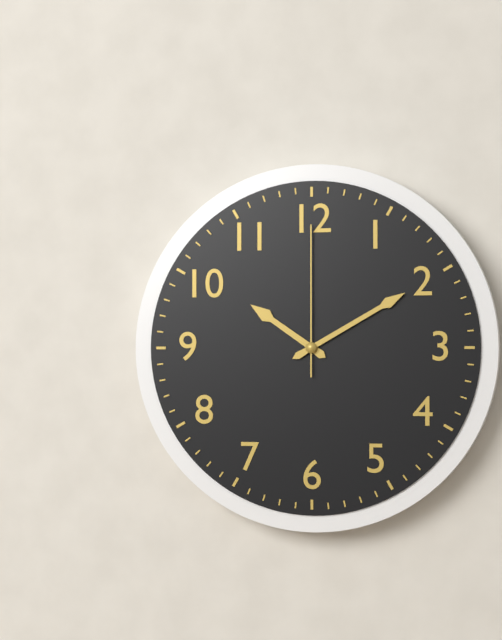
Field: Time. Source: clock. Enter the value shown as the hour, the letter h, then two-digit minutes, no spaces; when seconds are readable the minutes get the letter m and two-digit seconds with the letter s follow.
10h10m00s
